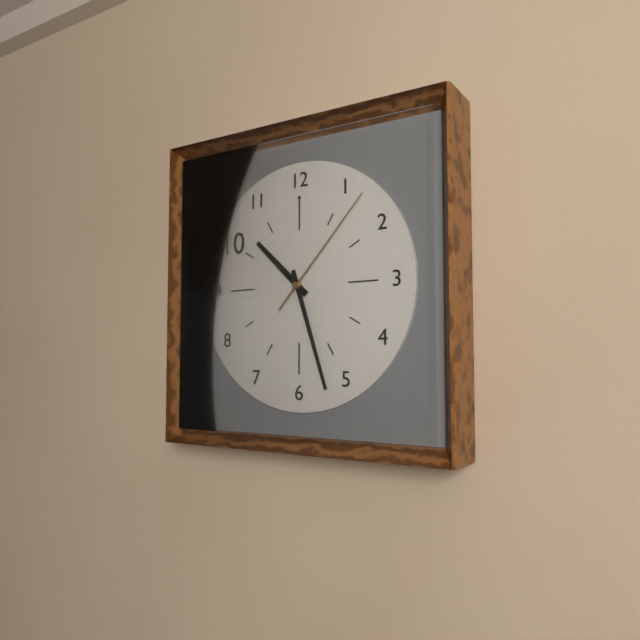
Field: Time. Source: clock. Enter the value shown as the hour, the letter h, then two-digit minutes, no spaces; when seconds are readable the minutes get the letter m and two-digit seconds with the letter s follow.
10h27m07s
